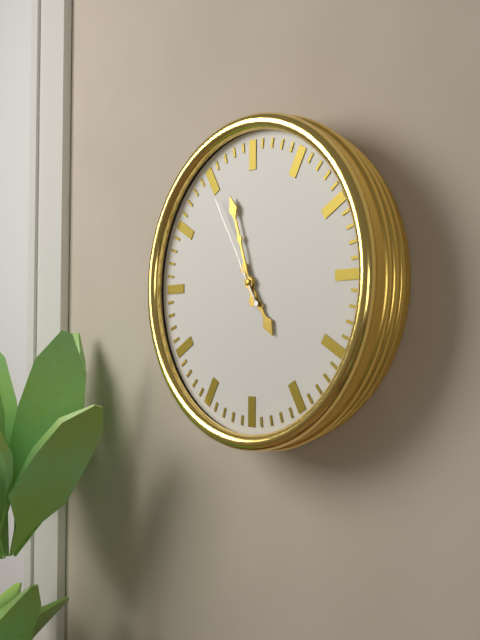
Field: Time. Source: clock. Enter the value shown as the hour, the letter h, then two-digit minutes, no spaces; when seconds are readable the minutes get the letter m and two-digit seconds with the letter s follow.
4h57m55s
